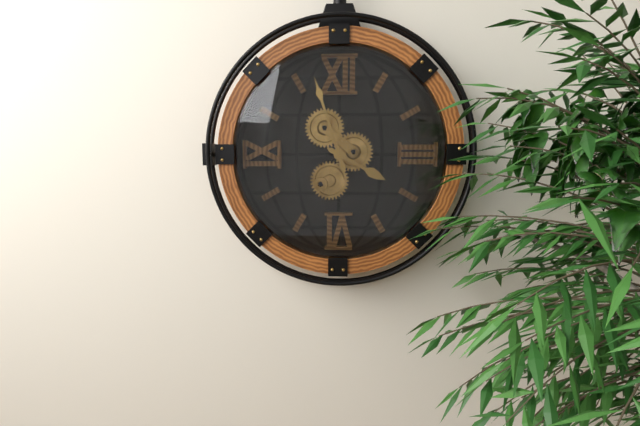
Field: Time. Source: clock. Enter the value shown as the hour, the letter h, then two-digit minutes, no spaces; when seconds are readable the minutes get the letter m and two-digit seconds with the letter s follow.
3h57
